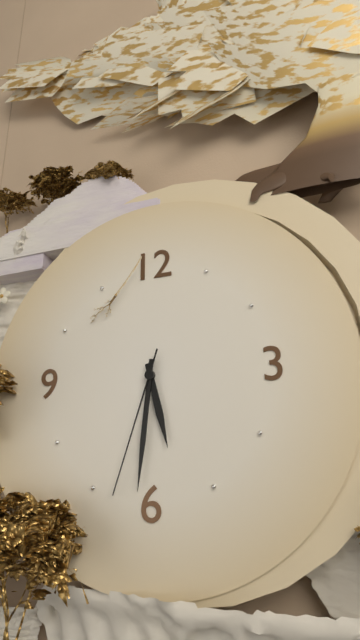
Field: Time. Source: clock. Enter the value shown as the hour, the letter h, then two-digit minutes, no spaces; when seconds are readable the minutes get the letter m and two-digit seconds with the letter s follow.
5h31m33s
